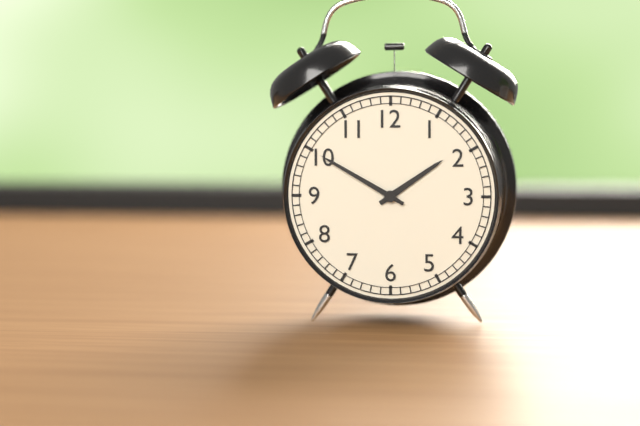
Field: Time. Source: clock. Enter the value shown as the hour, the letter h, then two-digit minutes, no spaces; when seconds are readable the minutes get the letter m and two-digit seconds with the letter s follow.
1h50
